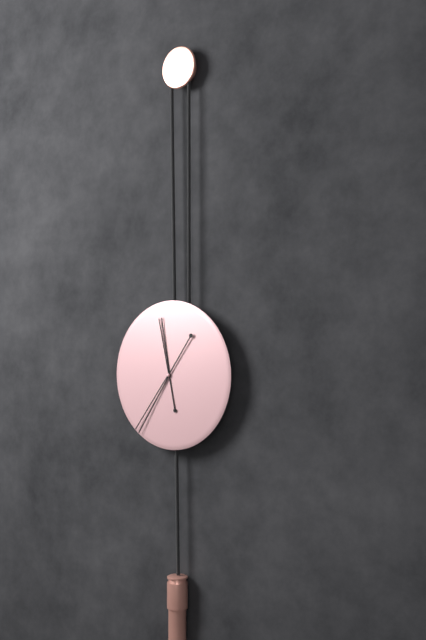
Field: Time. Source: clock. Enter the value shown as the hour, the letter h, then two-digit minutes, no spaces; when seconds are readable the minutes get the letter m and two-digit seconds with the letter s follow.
11h36
